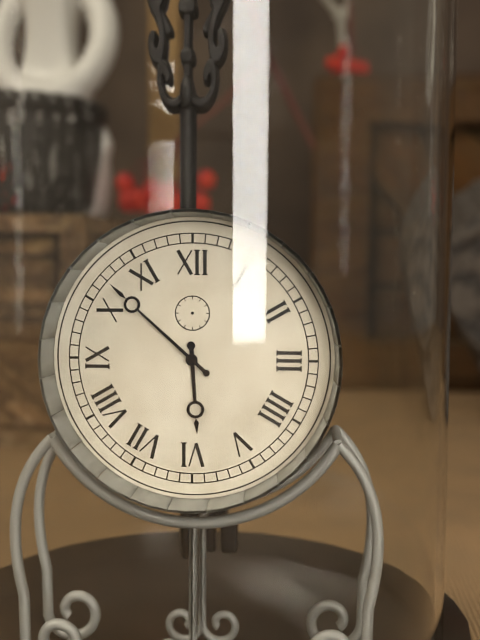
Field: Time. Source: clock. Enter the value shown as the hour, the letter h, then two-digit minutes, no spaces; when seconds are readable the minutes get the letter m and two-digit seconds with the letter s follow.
5h52
